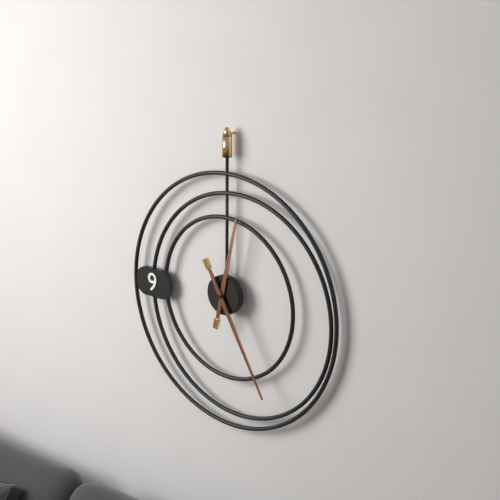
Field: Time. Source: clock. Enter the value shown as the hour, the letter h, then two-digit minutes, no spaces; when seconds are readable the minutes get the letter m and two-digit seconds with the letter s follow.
12h25
